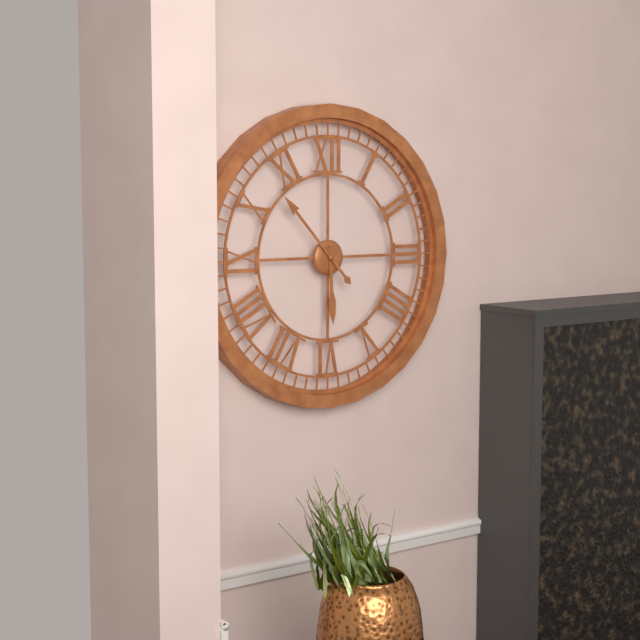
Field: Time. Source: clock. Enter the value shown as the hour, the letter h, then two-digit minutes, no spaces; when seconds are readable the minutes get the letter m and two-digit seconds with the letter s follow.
5h53
